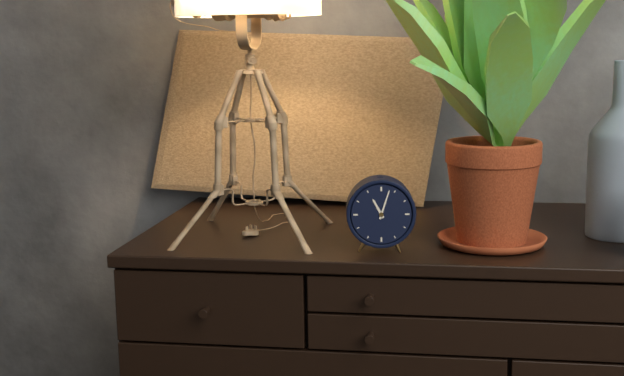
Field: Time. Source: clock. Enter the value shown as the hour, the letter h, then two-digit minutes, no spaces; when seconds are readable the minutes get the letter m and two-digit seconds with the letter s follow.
11h03
